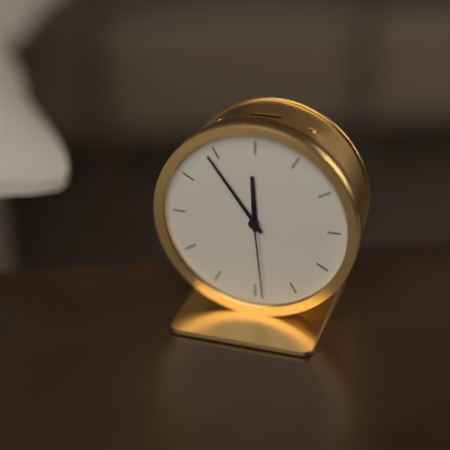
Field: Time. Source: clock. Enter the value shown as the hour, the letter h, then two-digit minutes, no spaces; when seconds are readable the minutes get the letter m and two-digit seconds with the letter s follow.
11h54m29s
